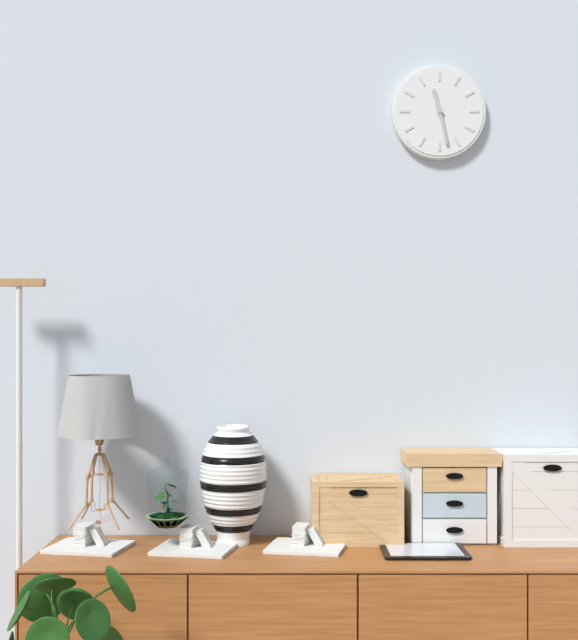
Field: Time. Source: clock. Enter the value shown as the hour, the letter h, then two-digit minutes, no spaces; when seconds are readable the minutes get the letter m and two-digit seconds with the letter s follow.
11h28
